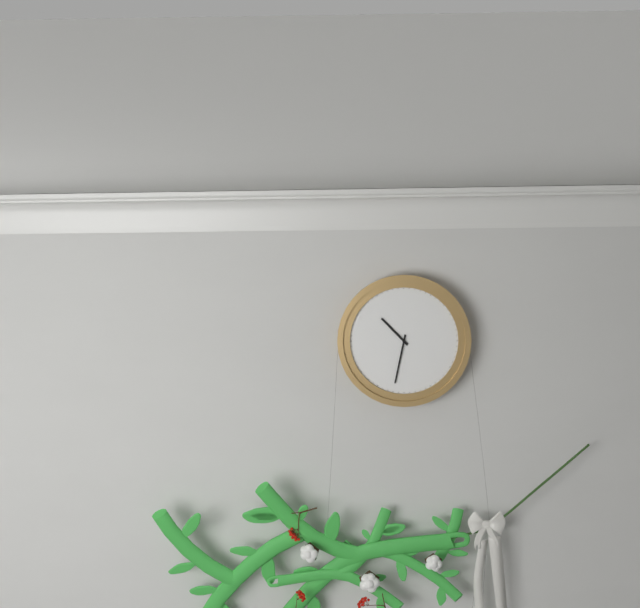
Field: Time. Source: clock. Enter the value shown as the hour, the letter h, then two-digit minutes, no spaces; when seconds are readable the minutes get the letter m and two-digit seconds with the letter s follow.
10h32
